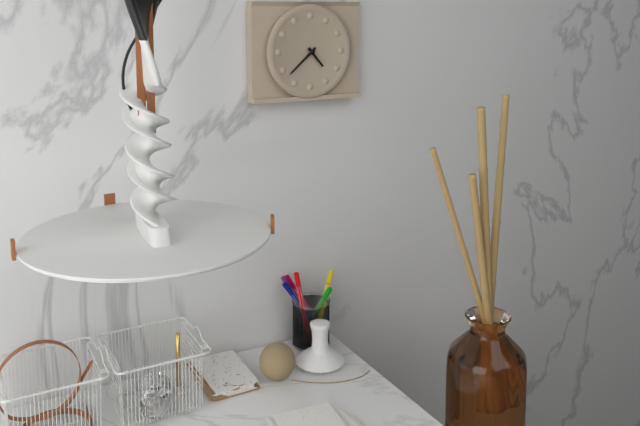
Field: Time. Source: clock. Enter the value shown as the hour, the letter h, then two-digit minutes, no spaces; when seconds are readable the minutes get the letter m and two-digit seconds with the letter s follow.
4h38
